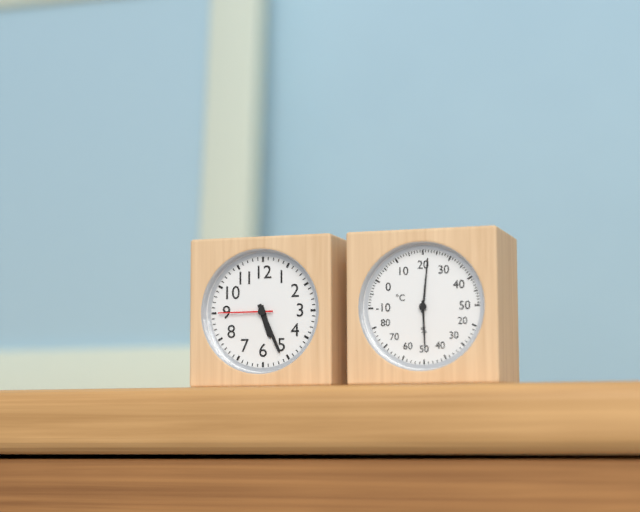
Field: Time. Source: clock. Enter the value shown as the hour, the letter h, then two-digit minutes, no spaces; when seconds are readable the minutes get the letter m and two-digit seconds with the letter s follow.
5h26m45s
